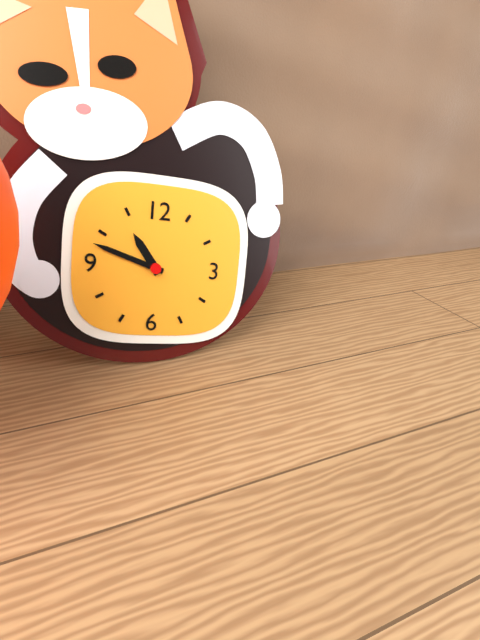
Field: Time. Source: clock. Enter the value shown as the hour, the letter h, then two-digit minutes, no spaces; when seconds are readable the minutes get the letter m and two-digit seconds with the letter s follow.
10h48
